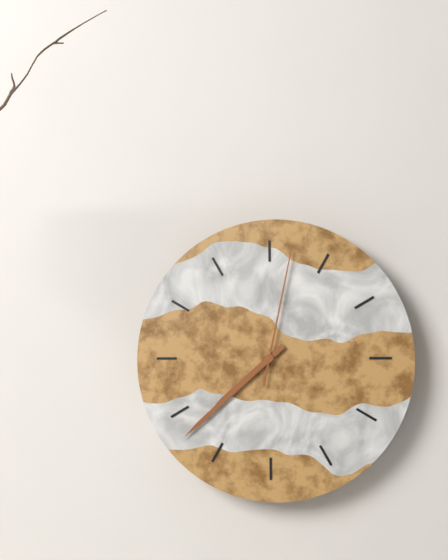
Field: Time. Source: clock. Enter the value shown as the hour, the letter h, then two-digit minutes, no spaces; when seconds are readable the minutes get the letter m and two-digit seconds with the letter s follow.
7h38m02s
